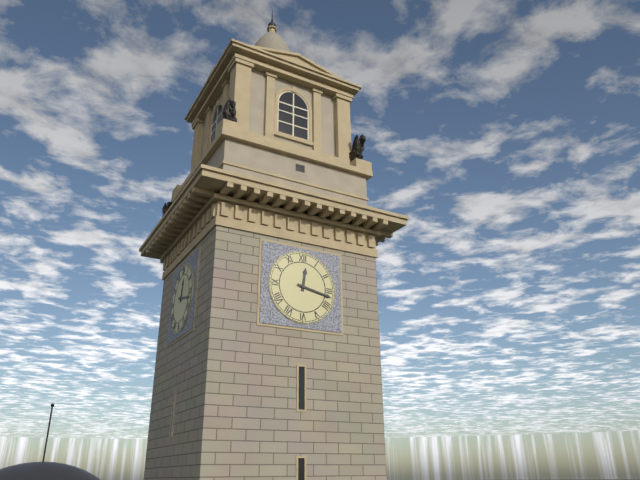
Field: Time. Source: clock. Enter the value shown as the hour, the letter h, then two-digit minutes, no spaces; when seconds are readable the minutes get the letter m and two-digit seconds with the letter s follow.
12h17
